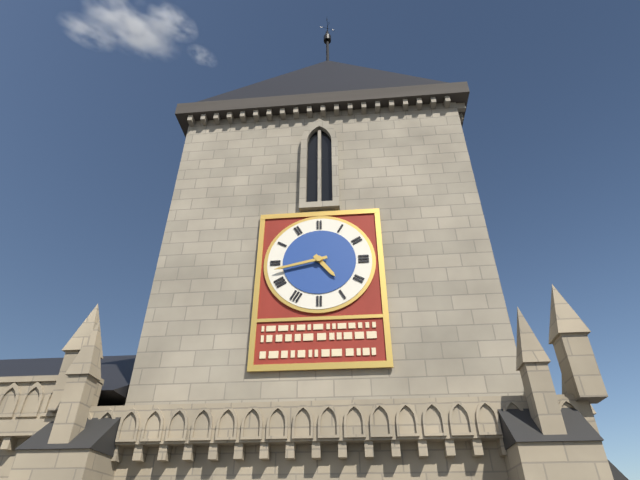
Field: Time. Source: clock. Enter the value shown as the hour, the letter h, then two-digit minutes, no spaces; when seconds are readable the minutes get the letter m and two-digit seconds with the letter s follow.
4h43
